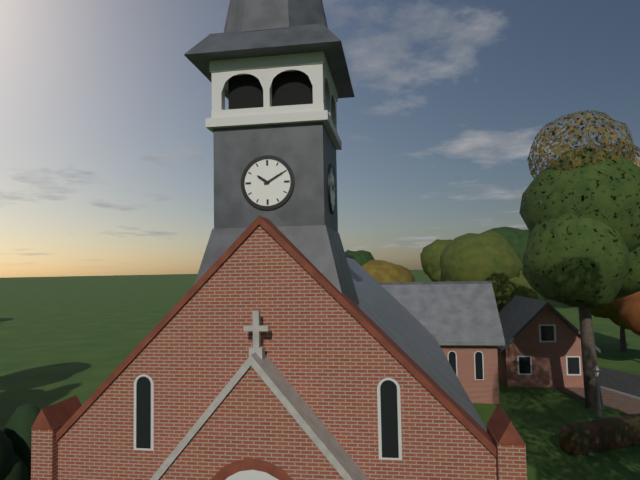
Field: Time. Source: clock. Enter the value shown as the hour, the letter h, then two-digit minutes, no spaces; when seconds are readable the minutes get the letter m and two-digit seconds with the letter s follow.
10h10
